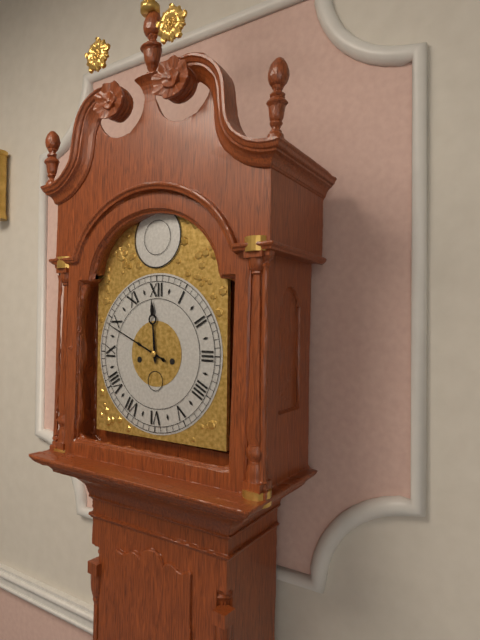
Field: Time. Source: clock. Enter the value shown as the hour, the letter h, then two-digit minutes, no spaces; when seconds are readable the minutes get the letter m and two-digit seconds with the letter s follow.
11h49
